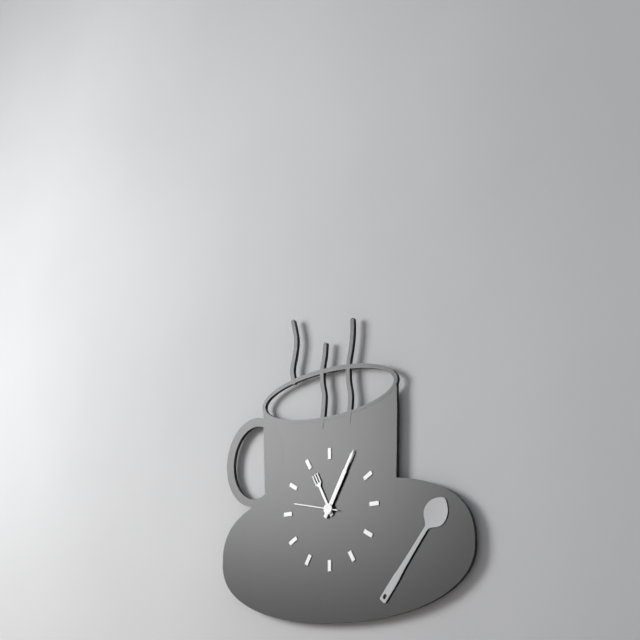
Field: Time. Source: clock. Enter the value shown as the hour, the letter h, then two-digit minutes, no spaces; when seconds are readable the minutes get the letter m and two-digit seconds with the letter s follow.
11h05
